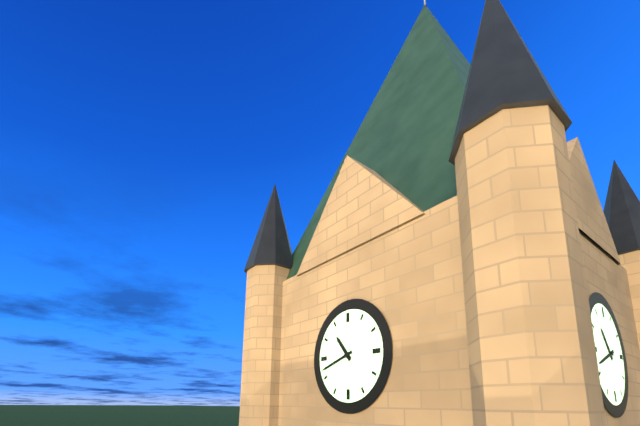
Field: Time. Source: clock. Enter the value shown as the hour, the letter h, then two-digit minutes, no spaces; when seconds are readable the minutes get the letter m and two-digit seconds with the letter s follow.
10h42
